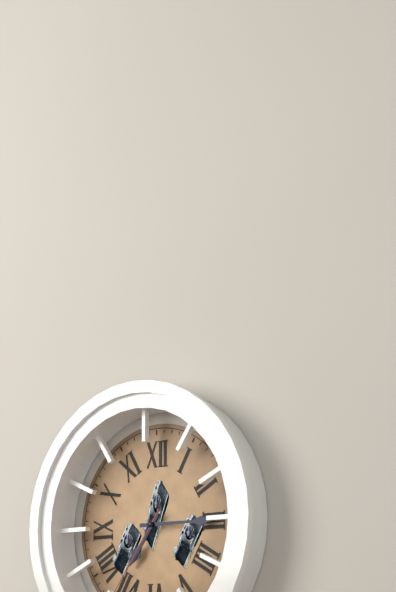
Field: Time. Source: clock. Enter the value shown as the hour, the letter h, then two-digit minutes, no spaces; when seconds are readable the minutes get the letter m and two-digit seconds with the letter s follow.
7h15
